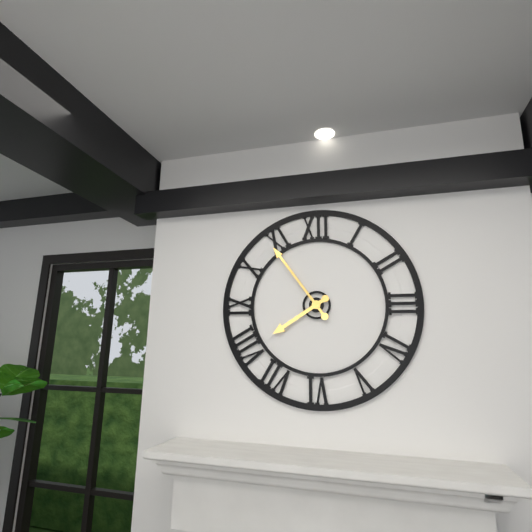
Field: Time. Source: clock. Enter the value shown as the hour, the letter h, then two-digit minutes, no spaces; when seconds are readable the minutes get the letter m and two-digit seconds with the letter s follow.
7h54
